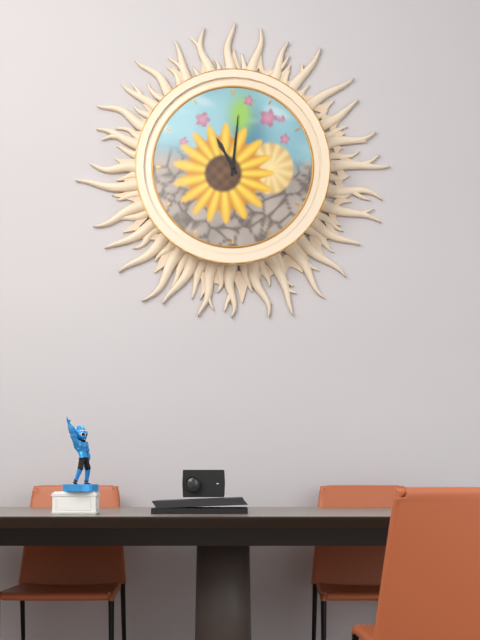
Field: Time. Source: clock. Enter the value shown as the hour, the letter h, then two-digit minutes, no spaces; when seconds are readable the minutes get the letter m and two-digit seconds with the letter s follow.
11h01
